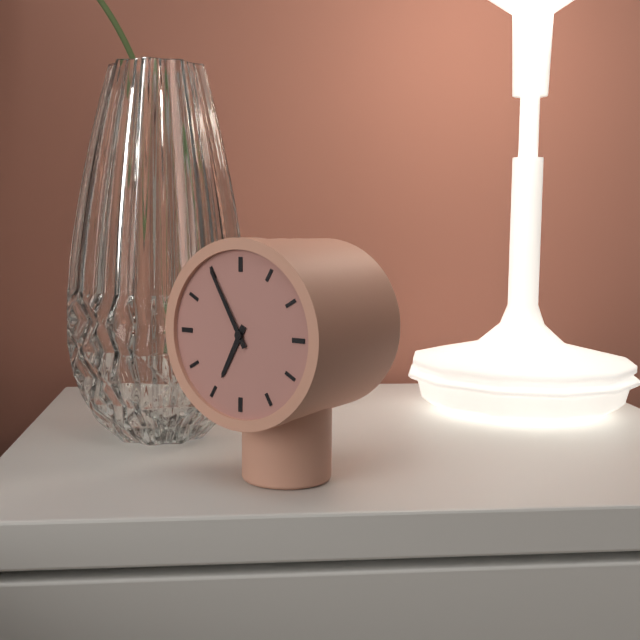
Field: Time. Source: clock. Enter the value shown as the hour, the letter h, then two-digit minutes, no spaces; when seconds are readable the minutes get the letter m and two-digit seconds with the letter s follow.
6h55
